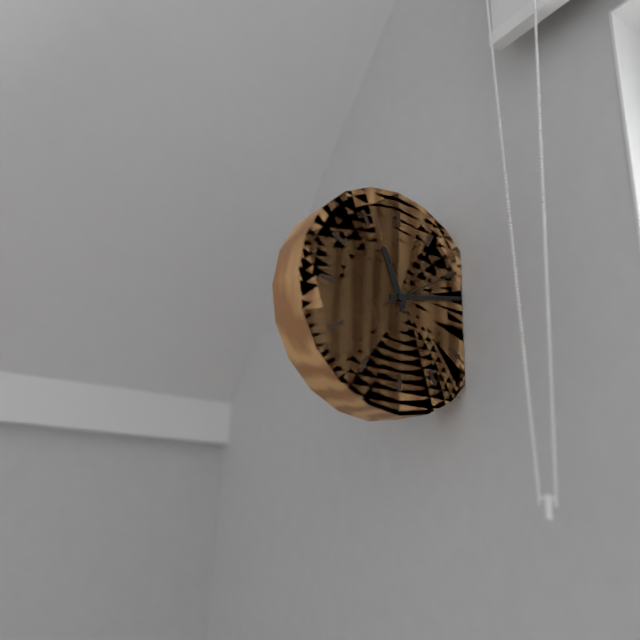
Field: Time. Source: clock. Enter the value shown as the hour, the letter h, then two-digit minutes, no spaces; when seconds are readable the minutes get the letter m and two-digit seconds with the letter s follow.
11h13m10s
